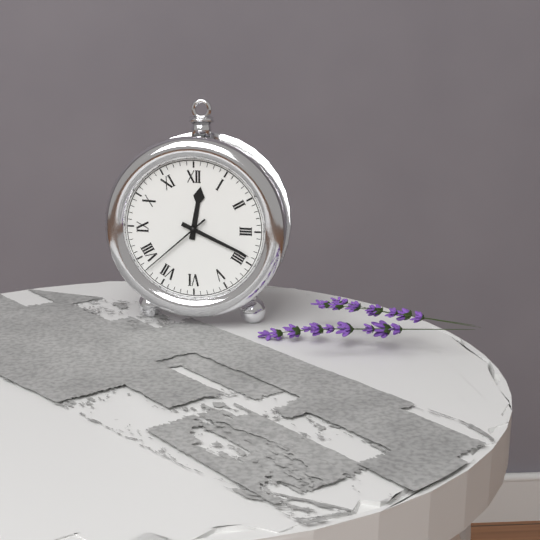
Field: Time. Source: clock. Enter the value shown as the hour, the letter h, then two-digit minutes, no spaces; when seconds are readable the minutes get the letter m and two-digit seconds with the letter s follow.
12h19m38s
